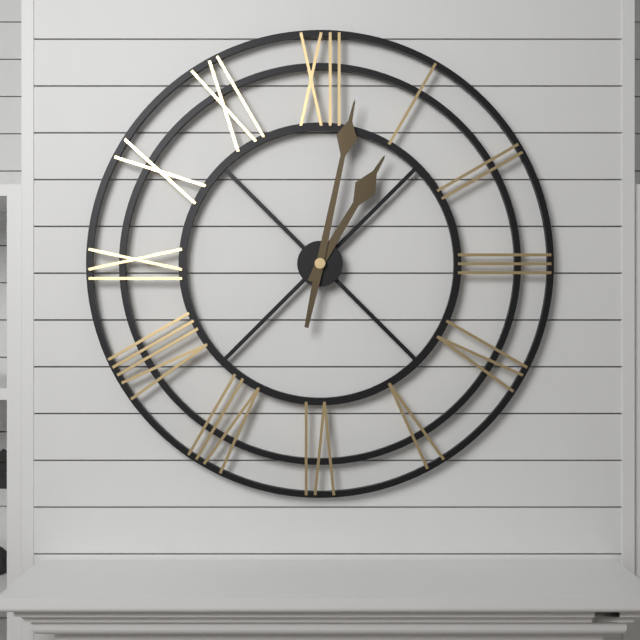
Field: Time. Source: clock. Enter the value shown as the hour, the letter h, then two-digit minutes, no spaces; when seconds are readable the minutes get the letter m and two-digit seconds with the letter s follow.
1h02
